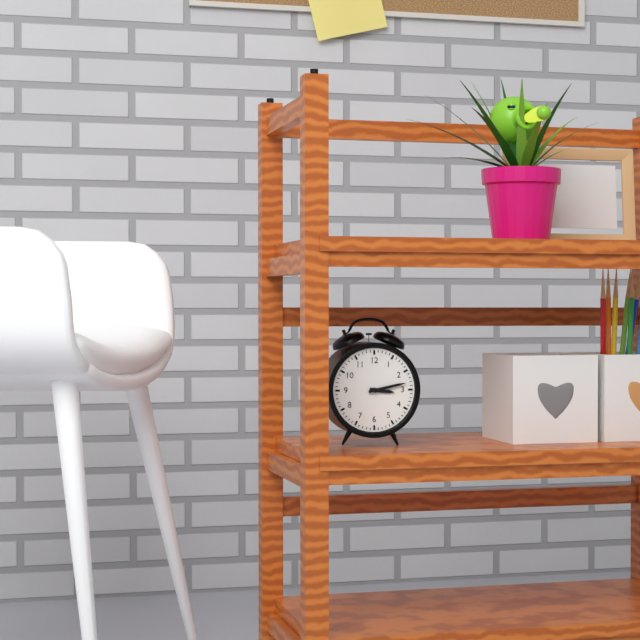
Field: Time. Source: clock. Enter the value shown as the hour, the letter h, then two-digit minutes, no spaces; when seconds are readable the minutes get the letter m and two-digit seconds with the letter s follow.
3h13
